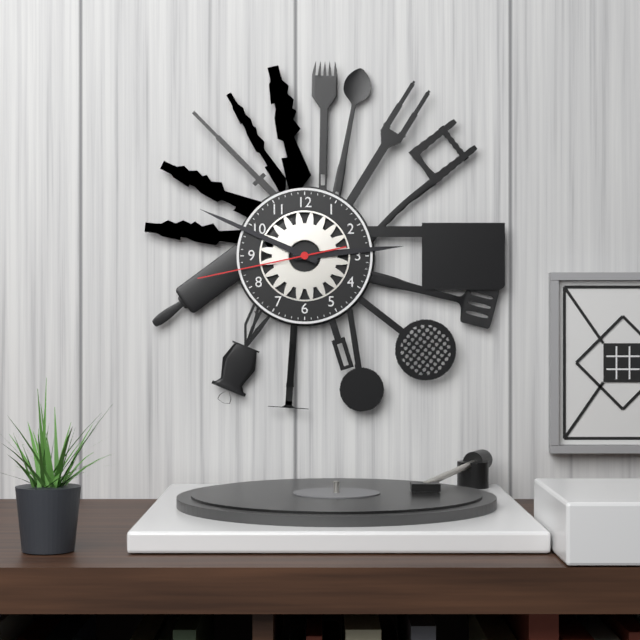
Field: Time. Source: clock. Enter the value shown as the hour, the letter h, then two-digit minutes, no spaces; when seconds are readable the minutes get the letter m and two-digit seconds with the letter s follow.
2h49m43s
